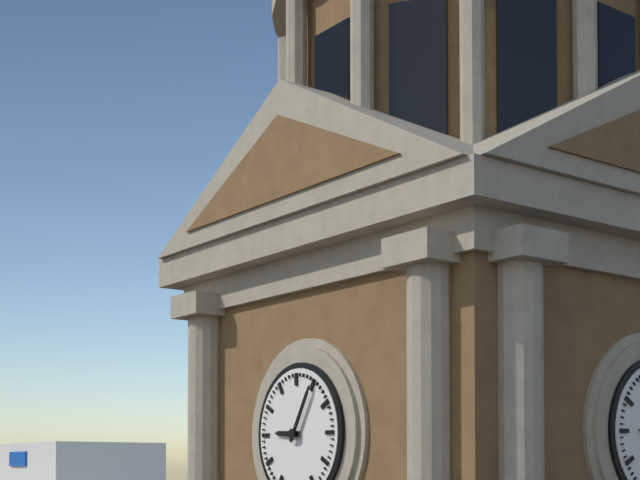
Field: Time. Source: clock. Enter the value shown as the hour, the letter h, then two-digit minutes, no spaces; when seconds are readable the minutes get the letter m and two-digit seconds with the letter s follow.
9h05
